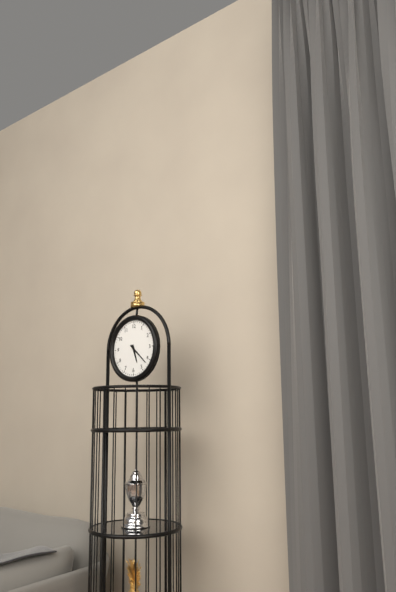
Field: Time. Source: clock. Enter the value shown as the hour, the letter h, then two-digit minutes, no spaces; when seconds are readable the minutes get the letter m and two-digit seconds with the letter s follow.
5h22
